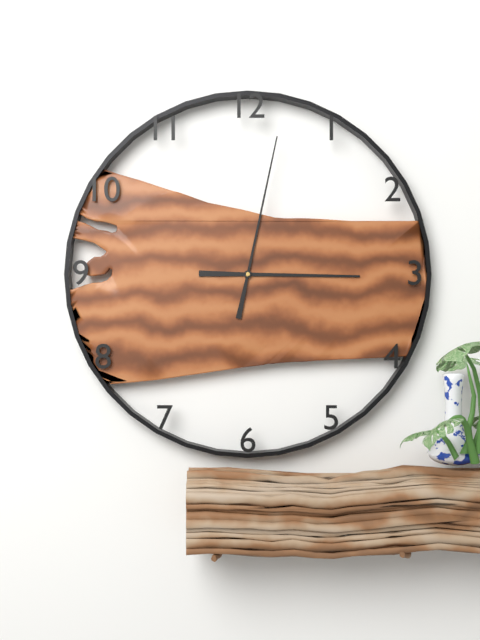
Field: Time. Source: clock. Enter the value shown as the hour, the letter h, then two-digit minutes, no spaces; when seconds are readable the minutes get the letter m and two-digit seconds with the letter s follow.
3h02
